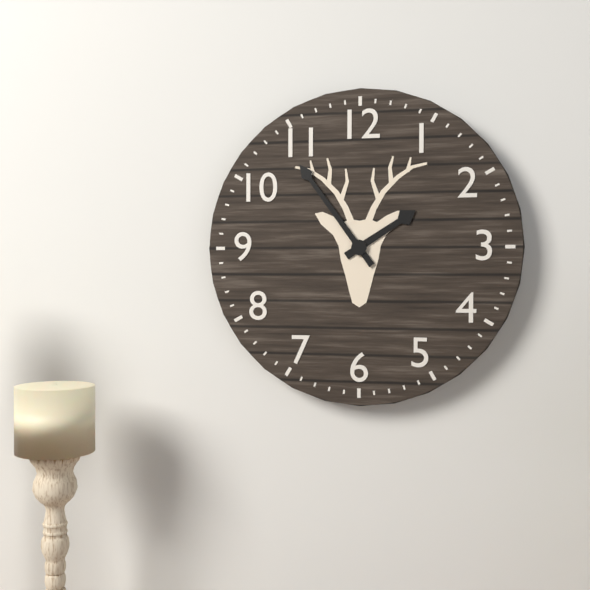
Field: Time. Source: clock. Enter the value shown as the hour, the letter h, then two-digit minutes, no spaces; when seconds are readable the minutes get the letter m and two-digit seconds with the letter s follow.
1h54
